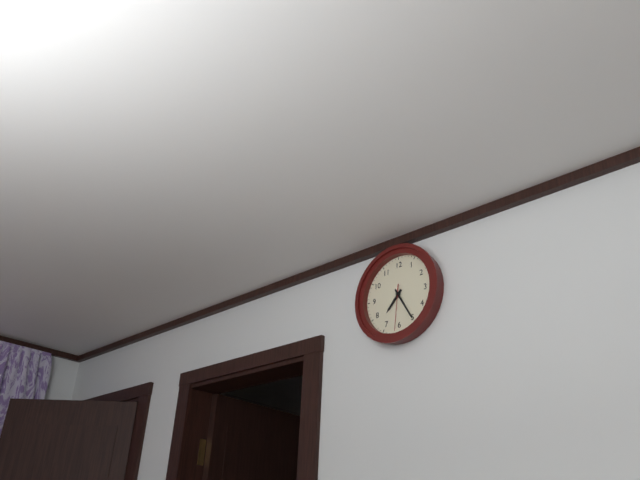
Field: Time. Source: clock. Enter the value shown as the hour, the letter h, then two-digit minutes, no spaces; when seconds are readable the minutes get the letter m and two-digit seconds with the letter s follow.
7h25
